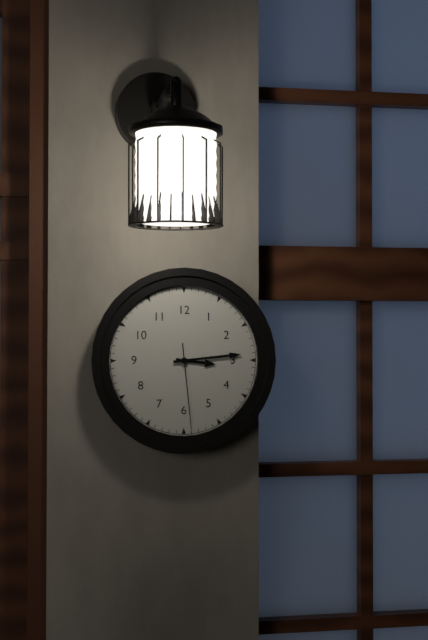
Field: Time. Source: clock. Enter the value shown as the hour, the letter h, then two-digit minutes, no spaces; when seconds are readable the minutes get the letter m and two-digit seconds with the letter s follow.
3h14m29s
